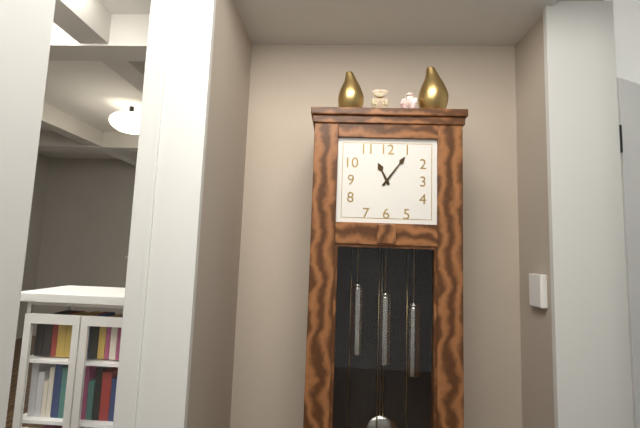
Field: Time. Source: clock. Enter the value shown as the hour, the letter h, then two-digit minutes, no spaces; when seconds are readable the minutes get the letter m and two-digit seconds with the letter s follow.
11h06
